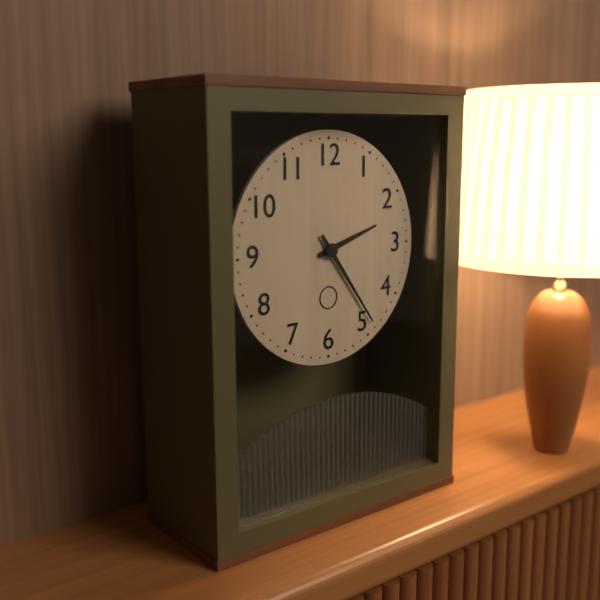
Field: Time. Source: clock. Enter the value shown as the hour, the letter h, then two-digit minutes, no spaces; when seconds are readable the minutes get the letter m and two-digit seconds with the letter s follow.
2h24
